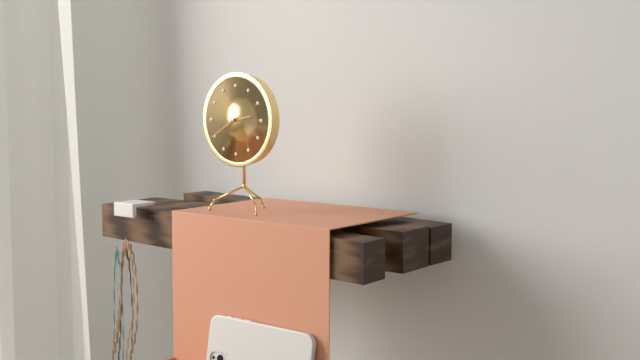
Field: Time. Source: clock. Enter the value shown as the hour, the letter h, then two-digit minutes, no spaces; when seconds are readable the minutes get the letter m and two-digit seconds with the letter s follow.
2h40
